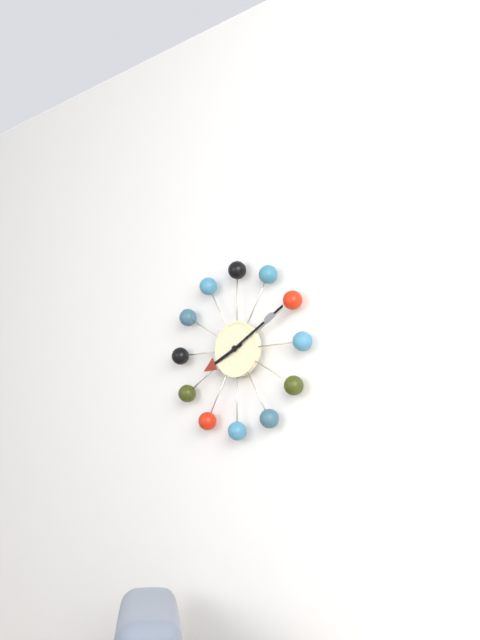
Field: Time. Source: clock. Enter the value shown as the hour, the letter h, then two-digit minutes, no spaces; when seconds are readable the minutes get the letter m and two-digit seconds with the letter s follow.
8h10
